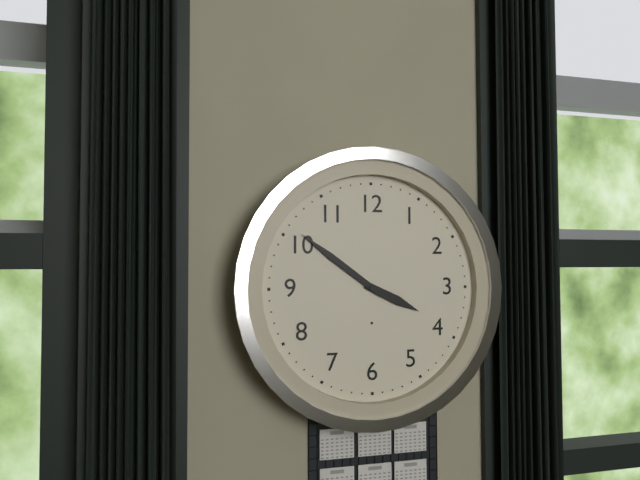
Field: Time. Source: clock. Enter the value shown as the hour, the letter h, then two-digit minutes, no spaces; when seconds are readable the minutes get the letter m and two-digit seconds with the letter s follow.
3h51
